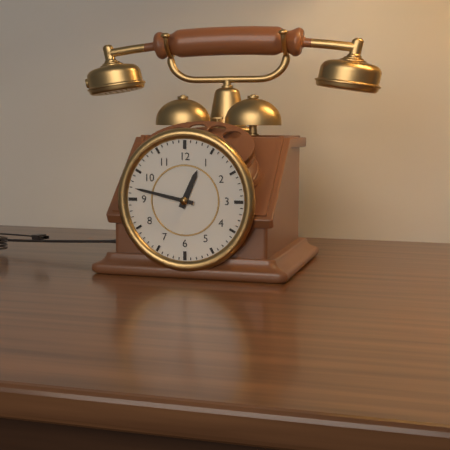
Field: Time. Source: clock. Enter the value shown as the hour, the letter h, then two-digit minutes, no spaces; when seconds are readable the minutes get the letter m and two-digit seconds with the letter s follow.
12h47
